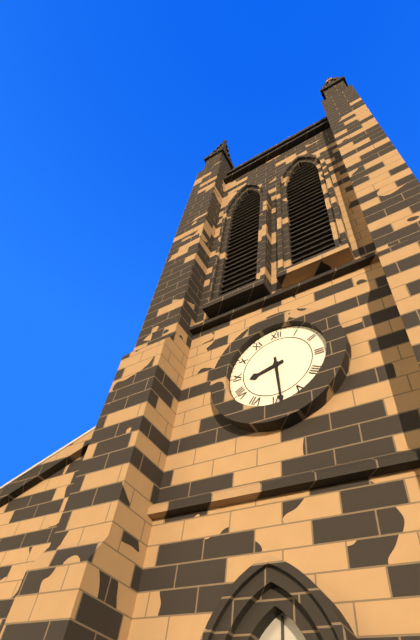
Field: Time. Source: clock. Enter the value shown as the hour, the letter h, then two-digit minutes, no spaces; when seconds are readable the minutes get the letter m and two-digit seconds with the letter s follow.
8h29
